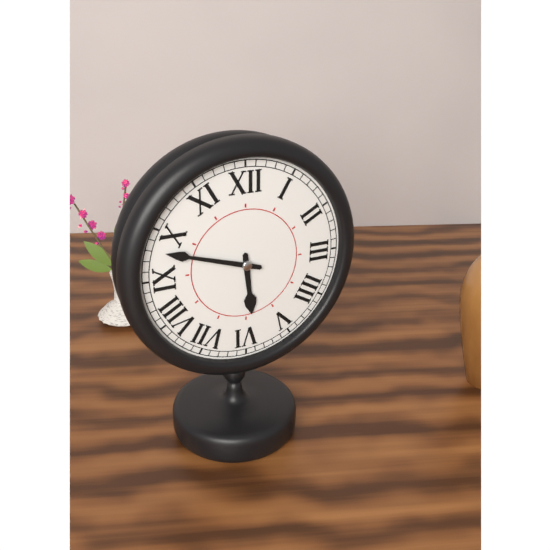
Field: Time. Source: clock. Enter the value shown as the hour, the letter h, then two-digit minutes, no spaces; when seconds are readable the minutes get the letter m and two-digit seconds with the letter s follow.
5h48
